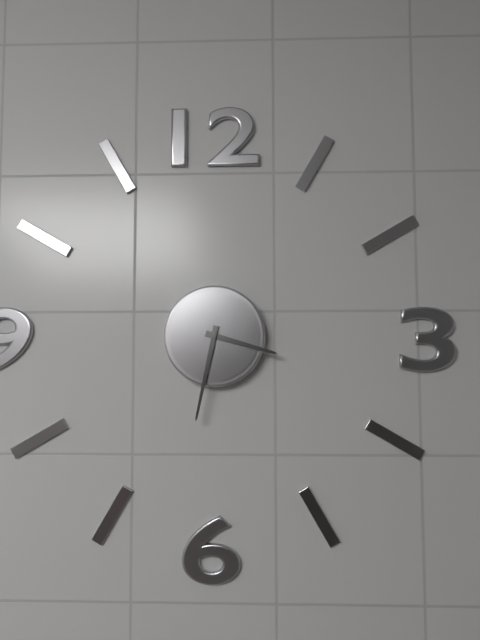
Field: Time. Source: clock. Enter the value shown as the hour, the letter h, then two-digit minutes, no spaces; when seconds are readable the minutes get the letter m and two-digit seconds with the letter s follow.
3h32
